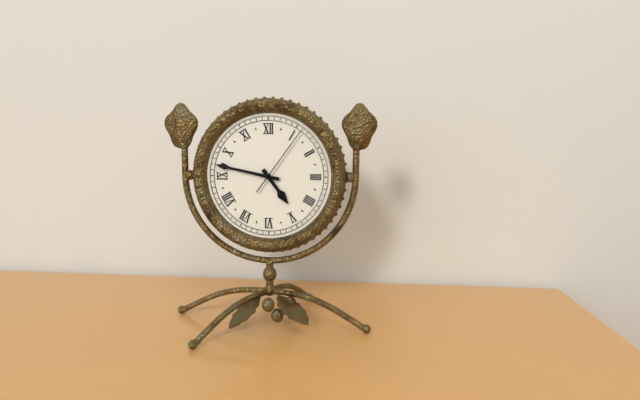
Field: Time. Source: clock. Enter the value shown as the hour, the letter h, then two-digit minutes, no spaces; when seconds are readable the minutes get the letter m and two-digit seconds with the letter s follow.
4h47m06s
